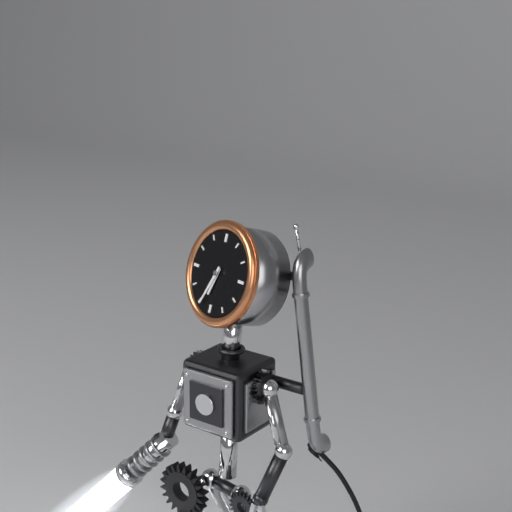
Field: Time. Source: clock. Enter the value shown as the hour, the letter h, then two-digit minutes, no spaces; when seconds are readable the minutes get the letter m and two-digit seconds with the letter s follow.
6h34
